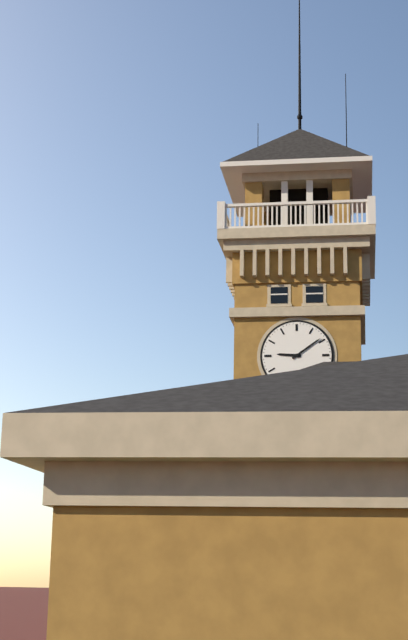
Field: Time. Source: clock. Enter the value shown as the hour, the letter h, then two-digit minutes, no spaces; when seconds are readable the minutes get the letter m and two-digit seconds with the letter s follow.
9h09
